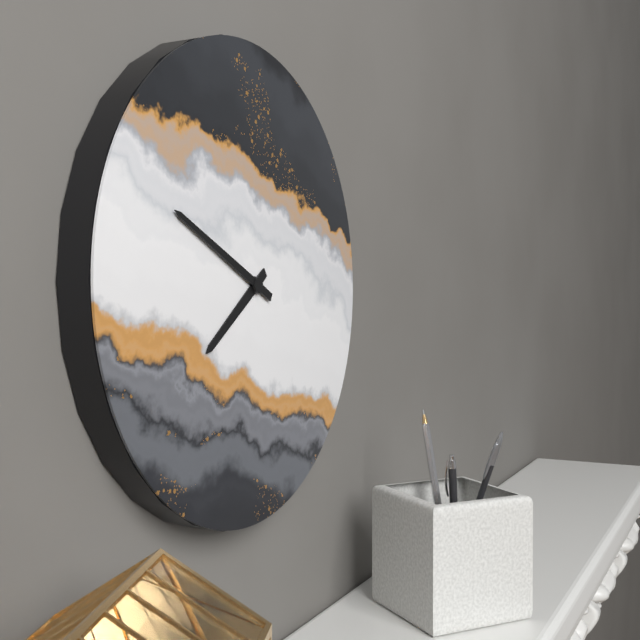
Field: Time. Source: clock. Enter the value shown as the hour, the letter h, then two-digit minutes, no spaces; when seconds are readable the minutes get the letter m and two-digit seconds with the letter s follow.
7h49
